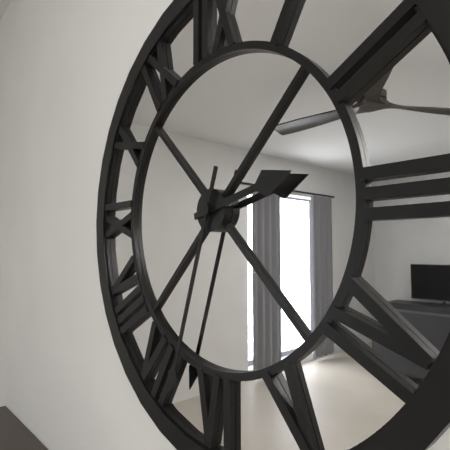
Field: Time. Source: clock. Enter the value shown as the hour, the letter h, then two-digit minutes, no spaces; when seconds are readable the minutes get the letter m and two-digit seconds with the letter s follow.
2h33
